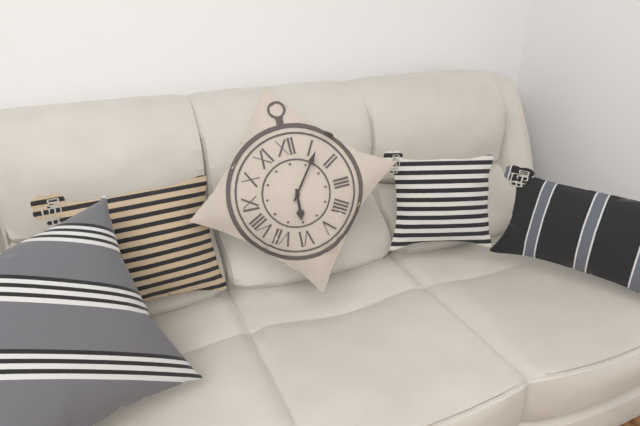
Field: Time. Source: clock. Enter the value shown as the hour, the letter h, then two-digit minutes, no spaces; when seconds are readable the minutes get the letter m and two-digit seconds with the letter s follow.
6h06
